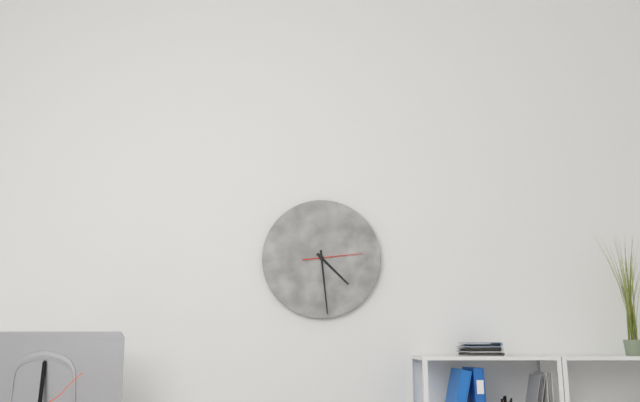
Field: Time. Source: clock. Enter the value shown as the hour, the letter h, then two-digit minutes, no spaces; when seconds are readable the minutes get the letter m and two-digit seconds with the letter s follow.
4h29m14s
